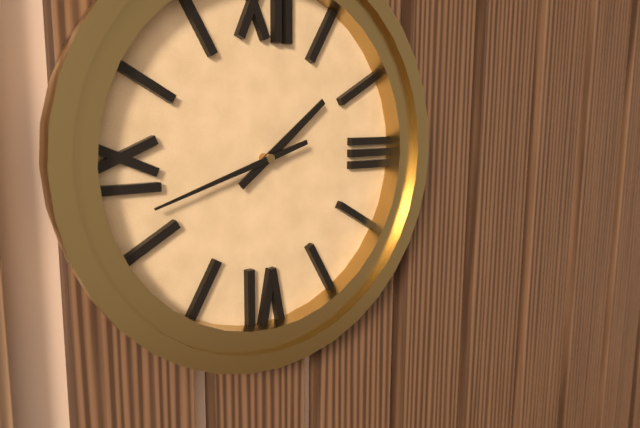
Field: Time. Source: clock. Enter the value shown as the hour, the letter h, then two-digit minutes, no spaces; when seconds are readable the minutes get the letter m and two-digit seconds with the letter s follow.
1h42
